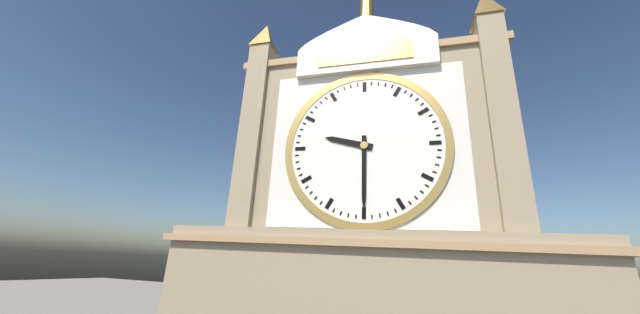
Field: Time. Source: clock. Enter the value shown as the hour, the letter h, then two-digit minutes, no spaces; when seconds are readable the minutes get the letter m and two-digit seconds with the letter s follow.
9h30
